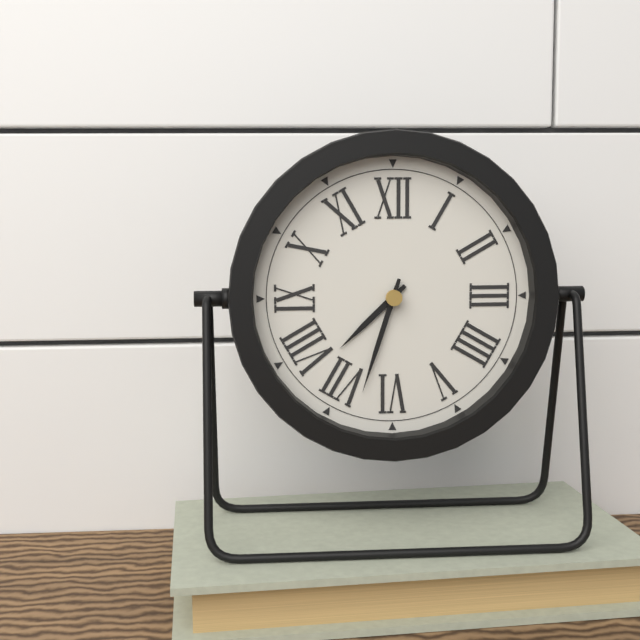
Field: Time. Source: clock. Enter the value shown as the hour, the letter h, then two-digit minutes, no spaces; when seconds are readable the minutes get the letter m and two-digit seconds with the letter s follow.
7h33
